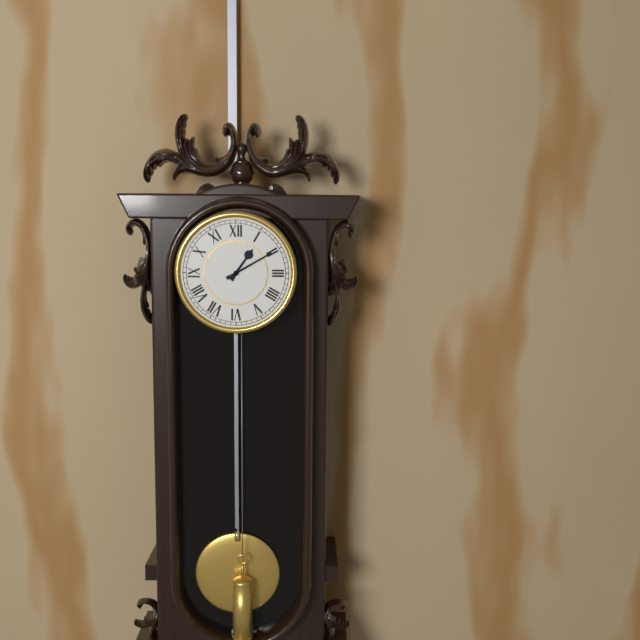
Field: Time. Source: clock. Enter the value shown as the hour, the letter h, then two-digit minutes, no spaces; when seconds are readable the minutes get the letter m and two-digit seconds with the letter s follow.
1h10
